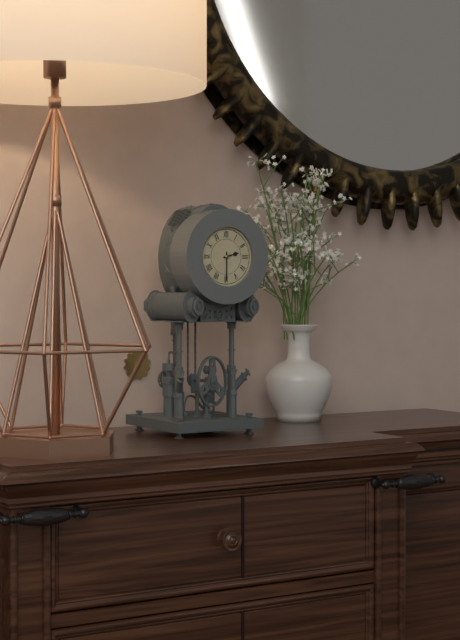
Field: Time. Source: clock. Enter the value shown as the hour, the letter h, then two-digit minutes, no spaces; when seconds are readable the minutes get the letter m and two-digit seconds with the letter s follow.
2h30
